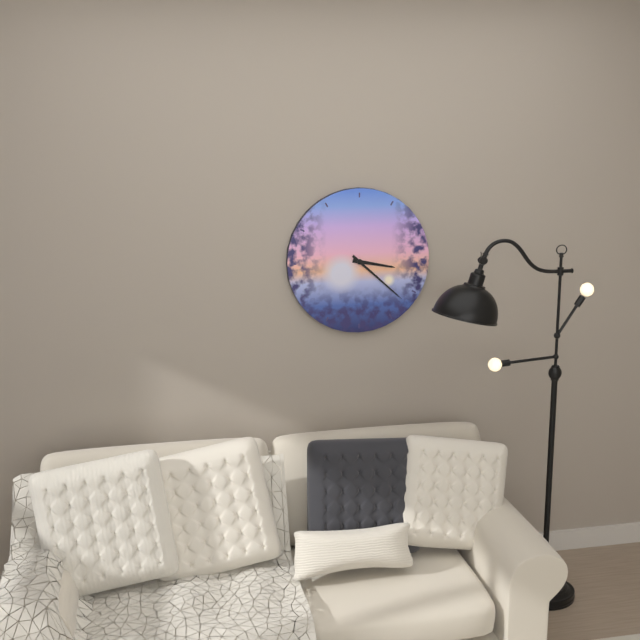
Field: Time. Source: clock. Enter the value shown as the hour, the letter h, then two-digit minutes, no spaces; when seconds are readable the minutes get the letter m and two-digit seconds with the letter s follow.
3h22
